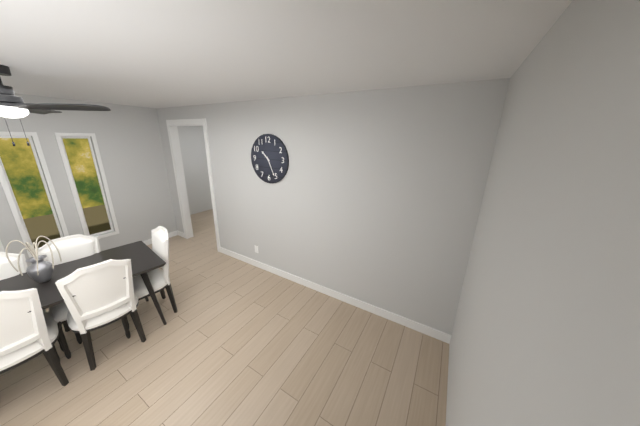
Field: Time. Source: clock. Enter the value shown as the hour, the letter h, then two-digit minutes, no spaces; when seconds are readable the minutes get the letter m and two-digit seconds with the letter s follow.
10h26
